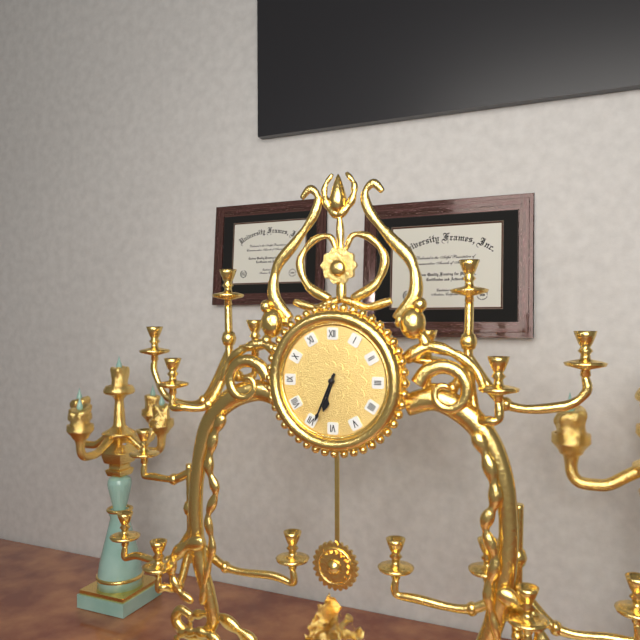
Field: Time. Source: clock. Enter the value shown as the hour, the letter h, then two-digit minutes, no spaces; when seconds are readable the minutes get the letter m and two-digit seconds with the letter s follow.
6h34
